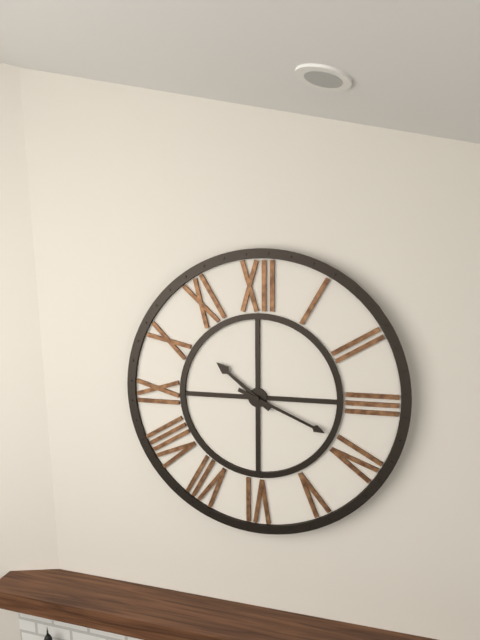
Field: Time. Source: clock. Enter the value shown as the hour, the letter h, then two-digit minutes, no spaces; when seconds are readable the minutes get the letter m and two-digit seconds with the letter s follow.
10h19
